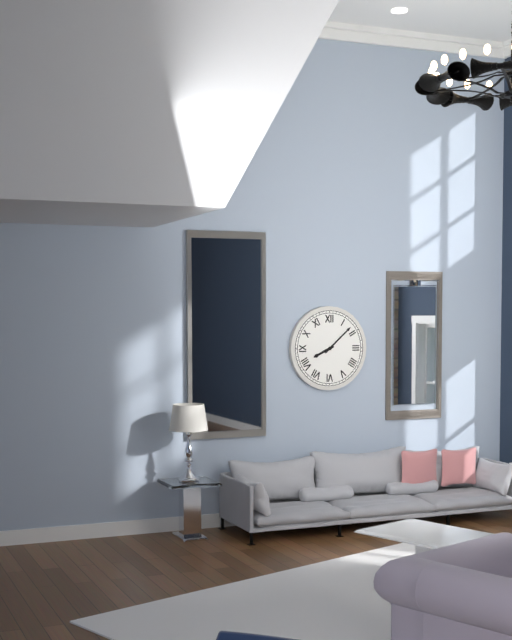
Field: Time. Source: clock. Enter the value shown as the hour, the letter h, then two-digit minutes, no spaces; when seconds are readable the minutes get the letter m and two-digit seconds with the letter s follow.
8h08
